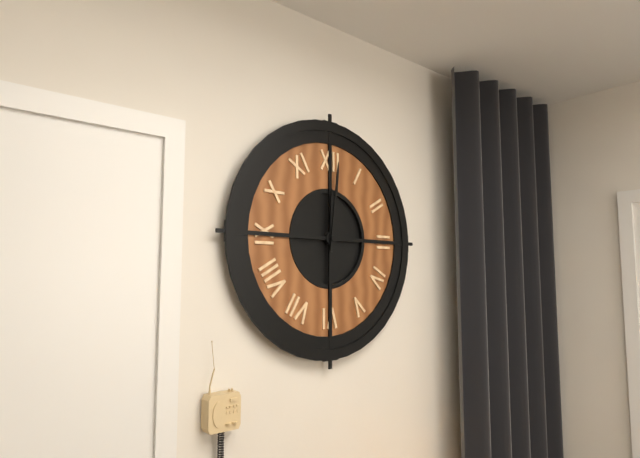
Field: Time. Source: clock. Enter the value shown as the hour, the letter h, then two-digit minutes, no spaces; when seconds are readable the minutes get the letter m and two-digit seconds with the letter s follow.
12h01
